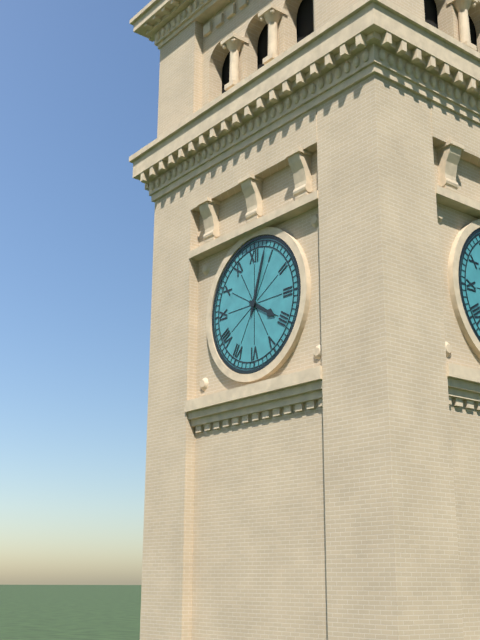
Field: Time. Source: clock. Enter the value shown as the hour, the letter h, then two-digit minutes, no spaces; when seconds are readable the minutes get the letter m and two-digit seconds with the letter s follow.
4h03
